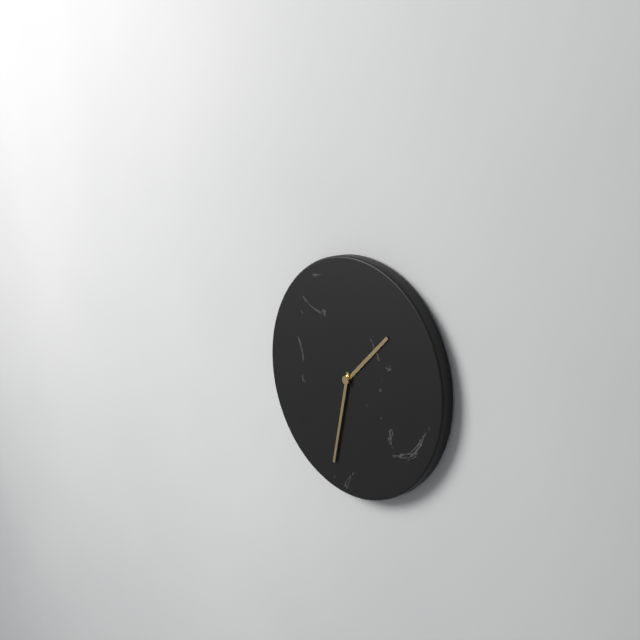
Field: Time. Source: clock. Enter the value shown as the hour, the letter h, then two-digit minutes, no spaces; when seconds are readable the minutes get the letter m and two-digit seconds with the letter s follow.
1h32
